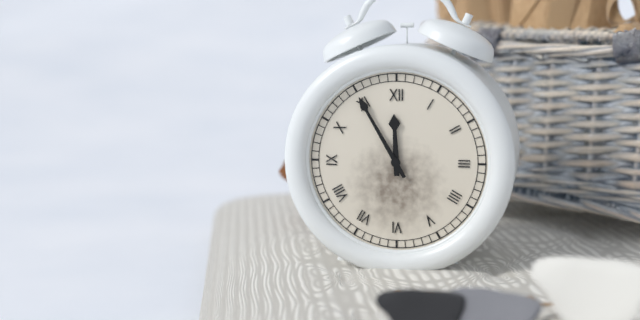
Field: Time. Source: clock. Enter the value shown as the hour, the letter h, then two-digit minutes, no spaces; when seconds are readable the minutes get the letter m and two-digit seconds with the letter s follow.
11h55
